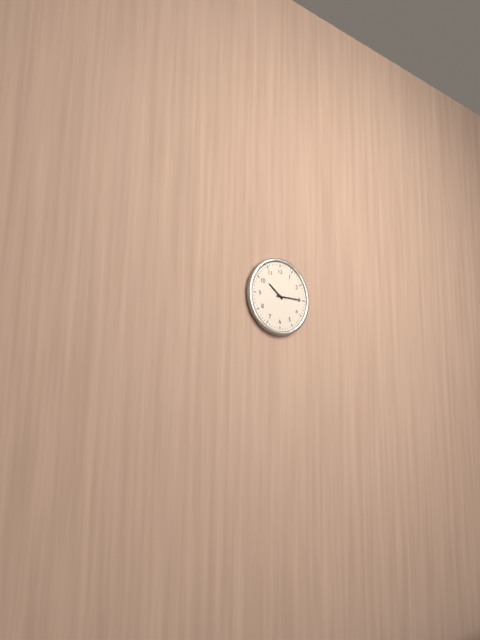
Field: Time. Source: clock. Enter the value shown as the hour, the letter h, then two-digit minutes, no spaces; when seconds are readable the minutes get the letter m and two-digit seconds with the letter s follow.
10h15
